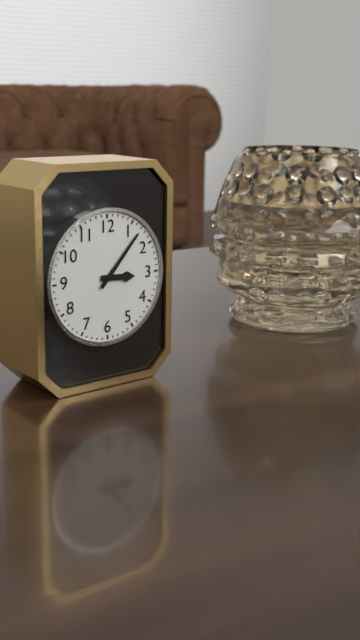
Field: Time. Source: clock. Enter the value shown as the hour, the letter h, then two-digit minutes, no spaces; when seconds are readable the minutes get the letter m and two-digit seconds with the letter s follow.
3h07
